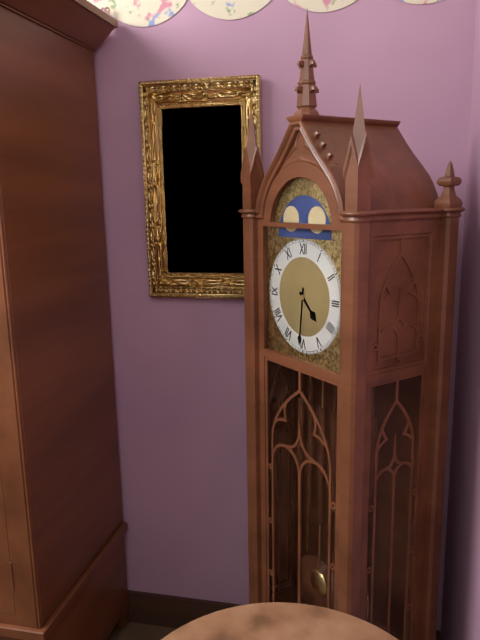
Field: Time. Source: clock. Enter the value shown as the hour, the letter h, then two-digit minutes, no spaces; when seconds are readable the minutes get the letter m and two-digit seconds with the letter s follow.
4h31
